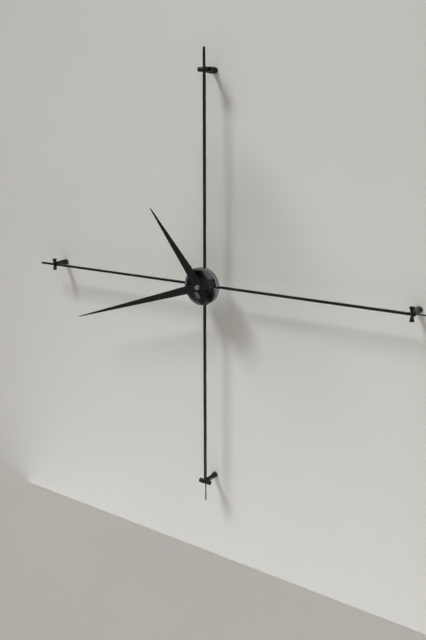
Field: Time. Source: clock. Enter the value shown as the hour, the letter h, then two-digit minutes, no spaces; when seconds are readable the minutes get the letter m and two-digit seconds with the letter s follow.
10h42
